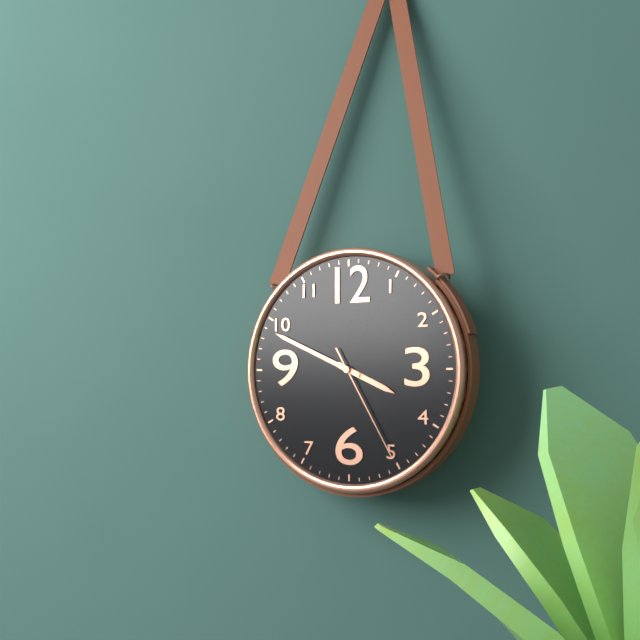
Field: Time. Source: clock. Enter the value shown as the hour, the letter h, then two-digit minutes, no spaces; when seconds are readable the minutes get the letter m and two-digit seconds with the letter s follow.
3h49m25s
